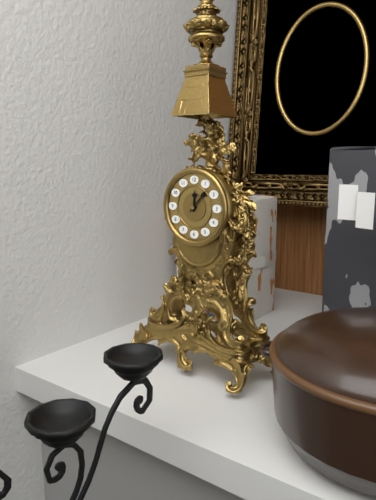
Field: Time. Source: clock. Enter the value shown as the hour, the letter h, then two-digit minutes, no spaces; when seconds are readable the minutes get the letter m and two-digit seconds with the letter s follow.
12h07
